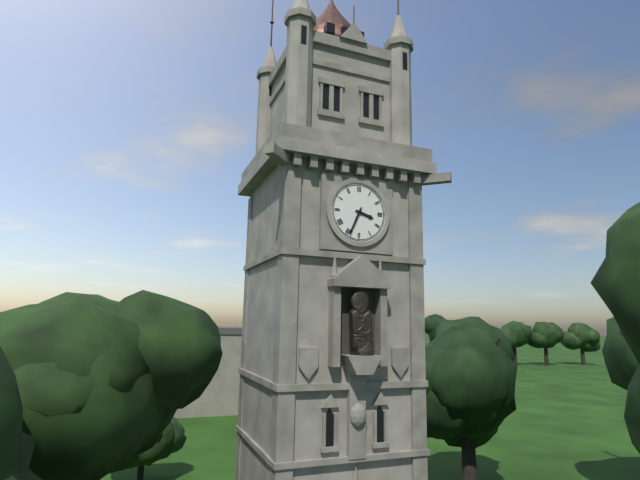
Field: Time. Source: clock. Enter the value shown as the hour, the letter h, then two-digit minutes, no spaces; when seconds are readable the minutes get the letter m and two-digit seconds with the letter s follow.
3h34
